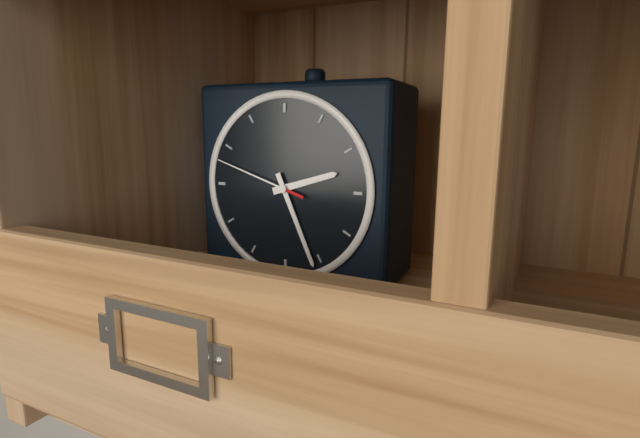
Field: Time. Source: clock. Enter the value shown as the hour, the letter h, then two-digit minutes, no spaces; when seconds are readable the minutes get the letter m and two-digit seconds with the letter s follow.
2h26m48s
